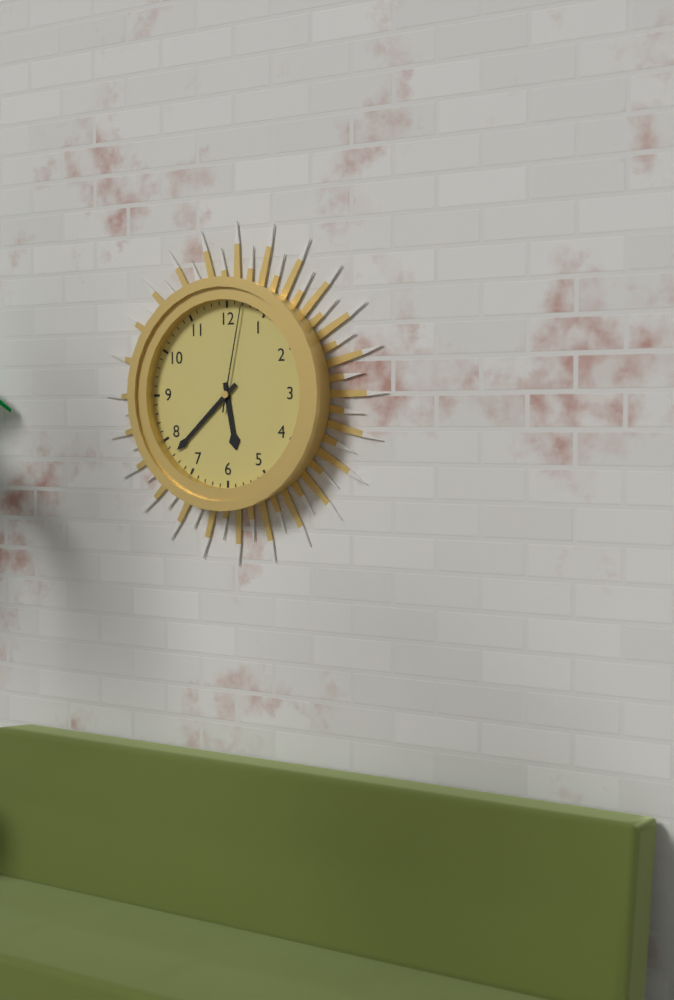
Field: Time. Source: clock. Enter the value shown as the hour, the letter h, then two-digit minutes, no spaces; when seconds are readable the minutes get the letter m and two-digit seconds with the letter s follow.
5h38m02s
